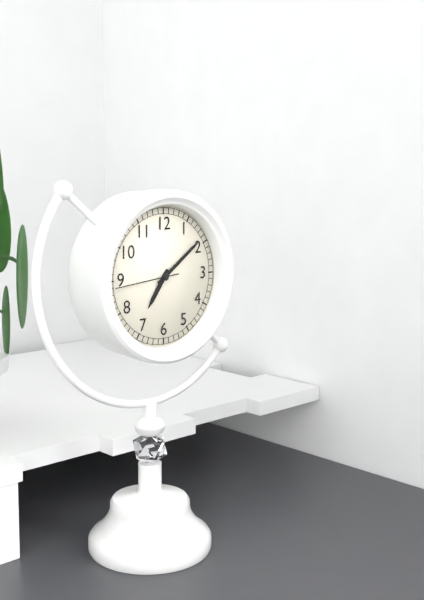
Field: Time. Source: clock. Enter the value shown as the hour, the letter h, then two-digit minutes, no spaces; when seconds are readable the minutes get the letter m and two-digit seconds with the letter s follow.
7h09m44s
